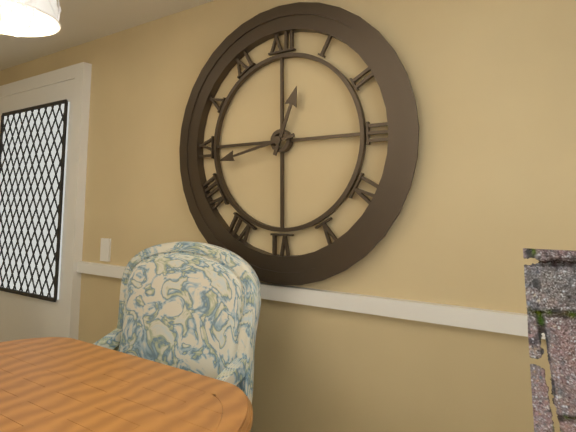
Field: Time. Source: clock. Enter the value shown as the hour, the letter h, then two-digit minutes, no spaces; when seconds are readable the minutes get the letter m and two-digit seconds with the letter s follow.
12h43
